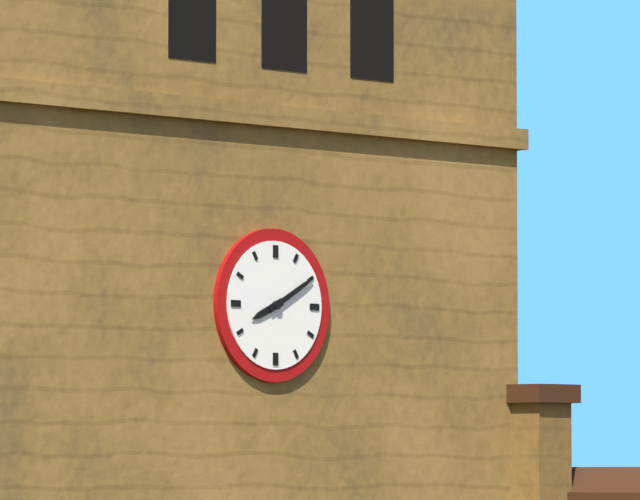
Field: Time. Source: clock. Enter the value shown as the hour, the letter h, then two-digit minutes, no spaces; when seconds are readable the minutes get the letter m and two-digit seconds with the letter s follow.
8h10
